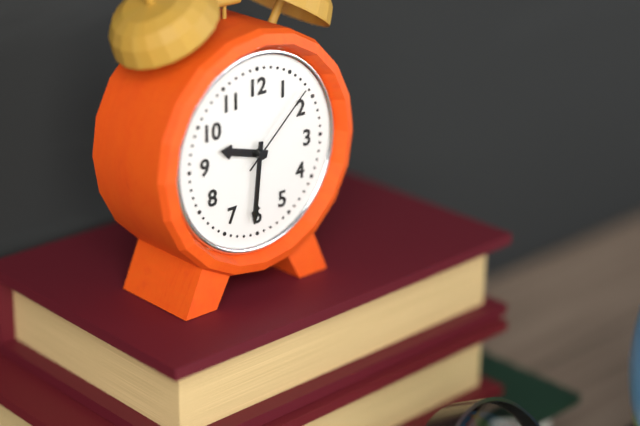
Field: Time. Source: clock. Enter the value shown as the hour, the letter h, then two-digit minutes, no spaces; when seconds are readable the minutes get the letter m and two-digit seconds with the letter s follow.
9h31m08s
